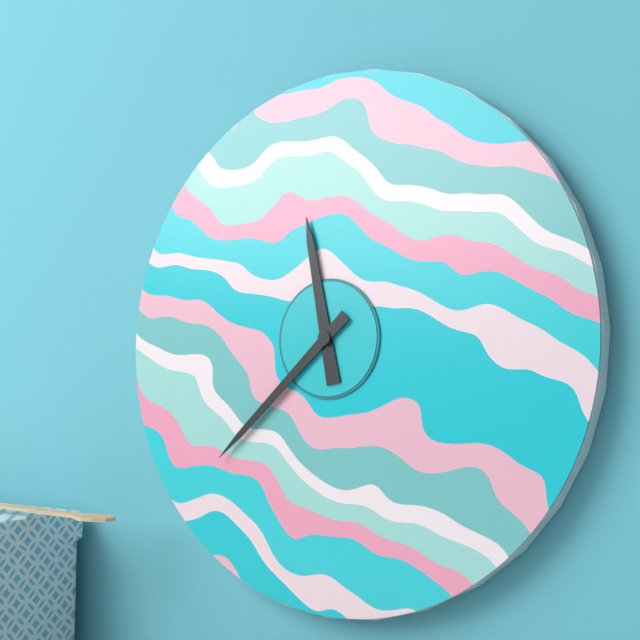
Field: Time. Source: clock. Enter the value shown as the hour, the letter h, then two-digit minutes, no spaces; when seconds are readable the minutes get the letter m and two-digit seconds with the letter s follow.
11h38
